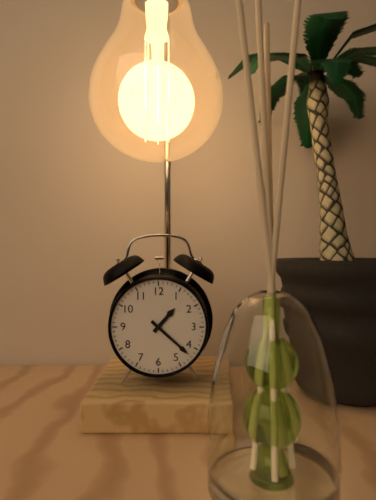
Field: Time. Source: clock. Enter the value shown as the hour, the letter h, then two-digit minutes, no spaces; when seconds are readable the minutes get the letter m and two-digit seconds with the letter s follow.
1h22
